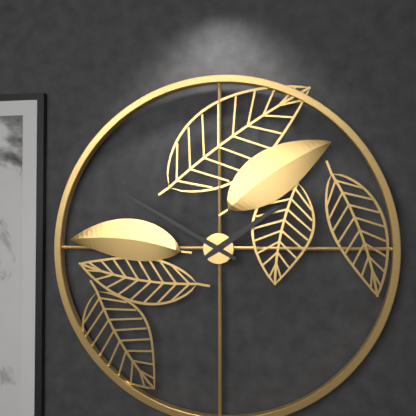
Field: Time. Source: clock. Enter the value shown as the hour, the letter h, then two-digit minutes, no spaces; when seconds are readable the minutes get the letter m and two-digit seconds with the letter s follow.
1h50
